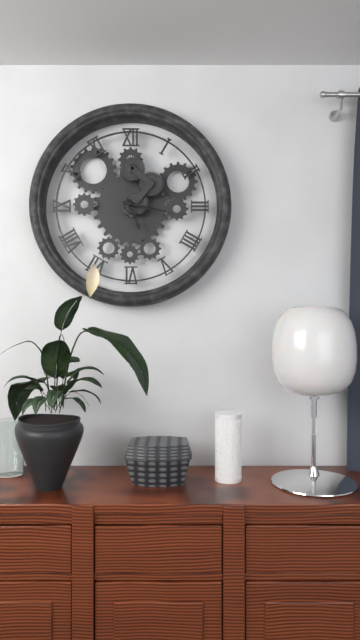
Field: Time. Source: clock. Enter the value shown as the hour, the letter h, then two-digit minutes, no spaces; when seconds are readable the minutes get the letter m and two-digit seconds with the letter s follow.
5h17
